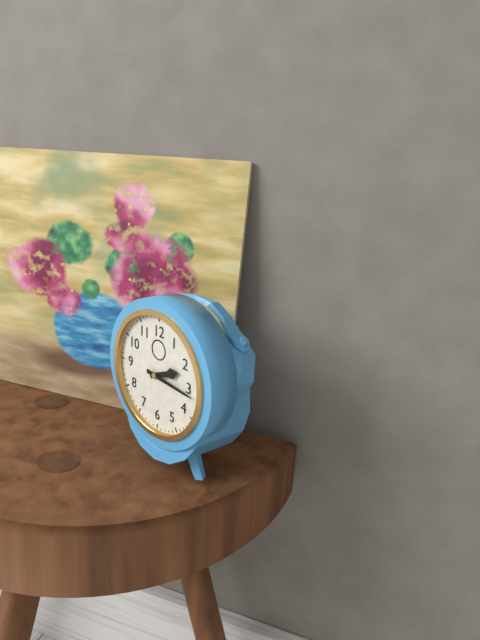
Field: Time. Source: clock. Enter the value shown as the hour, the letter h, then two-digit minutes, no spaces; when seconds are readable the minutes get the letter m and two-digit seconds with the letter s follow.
2h16
